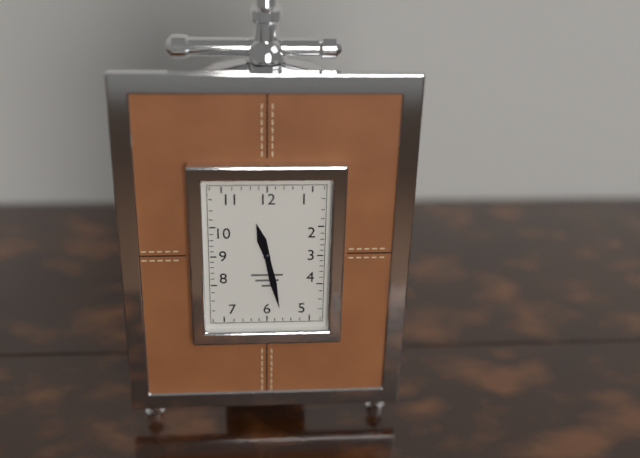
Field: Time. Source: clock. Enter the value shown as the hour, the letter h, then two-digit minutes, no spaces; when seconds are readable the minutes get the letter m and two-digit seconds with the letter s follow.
11h28
